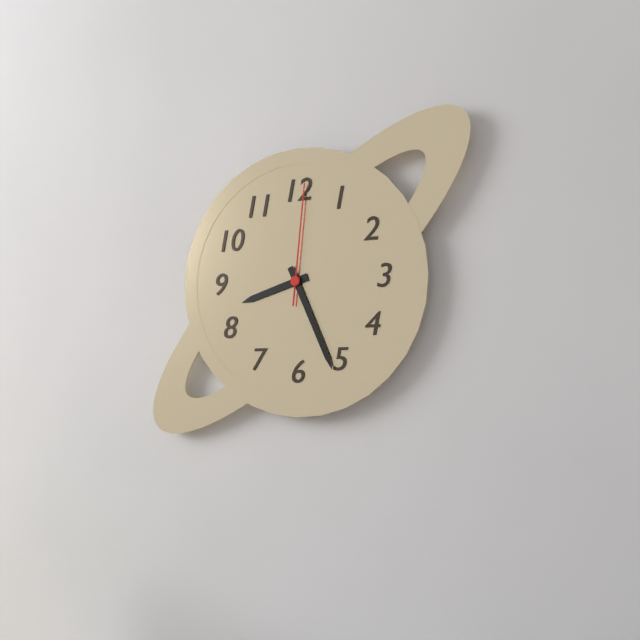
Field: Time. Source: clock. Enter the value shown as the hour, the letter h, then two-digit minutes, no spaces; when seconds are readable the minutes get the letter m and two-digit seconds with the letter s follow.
8h26m01s
